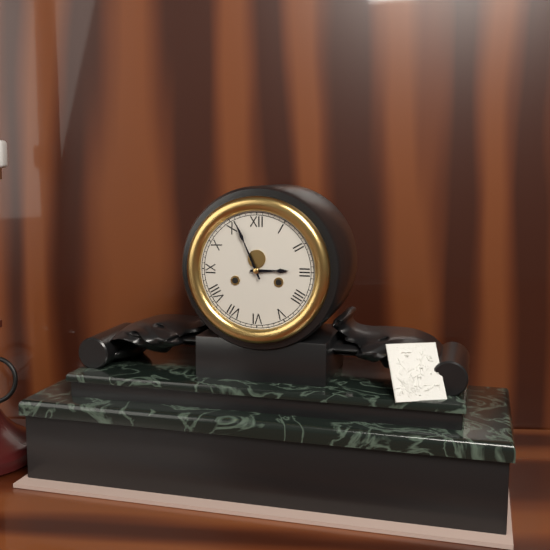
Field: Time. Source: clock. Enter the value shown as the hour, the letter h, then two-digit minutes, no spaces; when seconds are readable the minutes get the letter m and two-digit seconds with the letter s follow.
2h56
